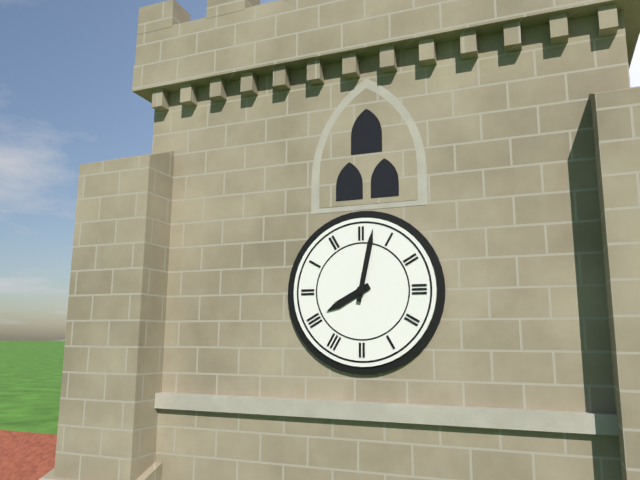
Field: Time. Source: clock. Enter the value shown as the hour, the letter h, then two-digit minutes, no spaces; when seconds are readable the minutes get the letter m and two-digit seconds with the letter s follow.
8h02
